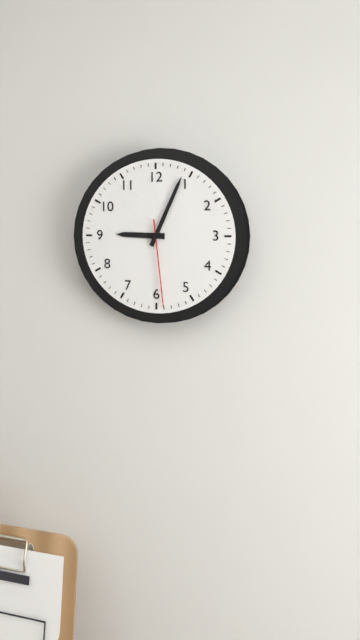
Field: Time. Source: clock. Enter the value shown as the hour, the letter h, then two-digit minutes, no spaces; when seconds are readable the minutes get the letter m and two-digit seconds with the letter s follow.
9h04m29s
